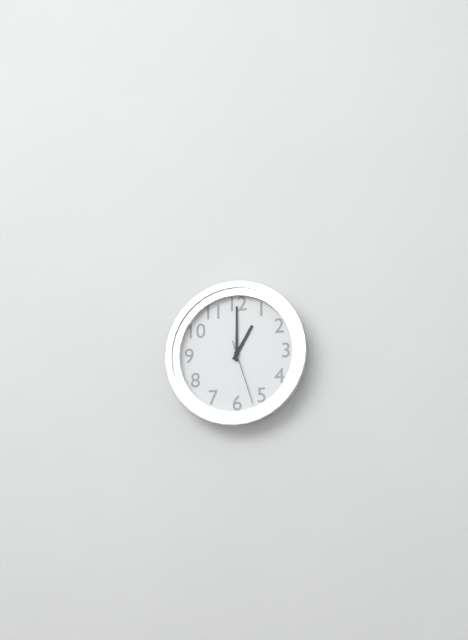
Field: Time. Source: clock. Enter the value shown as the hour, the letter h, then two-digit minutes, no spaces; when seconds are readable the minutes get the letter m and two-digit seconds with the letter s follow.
1h00m27s
